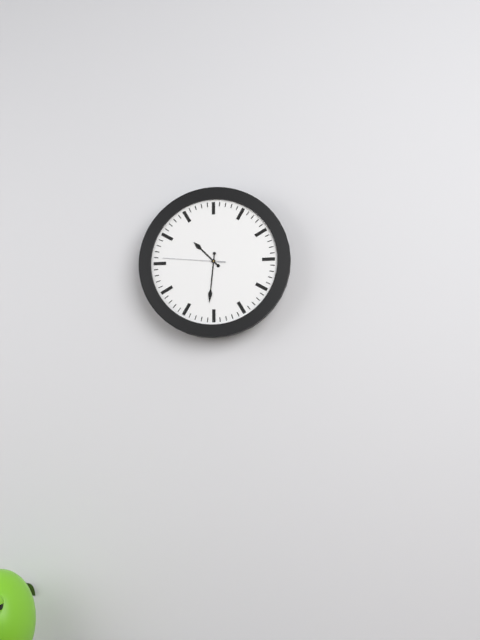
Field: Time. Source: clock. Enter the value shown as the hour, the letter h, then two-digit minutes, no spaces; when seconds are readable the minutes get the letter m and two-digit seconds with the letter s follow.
10h31m46s
